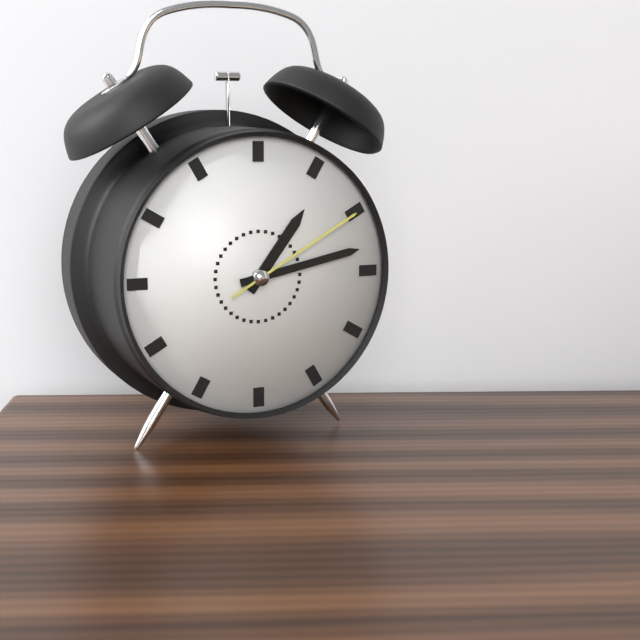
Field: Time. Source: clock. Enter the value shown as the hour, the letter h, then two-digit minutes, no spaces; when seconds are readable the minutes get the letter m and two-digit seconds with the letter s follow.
1h13m10s
